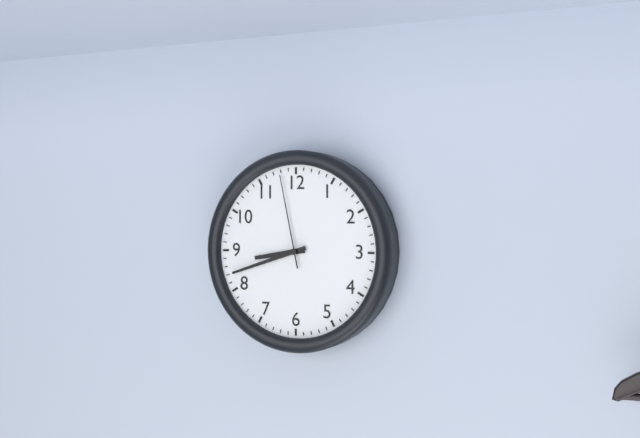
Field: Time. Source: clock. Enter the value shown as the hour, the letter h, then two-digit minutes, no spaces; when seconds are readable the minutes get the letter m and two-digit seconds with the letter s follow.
8h42m58s
